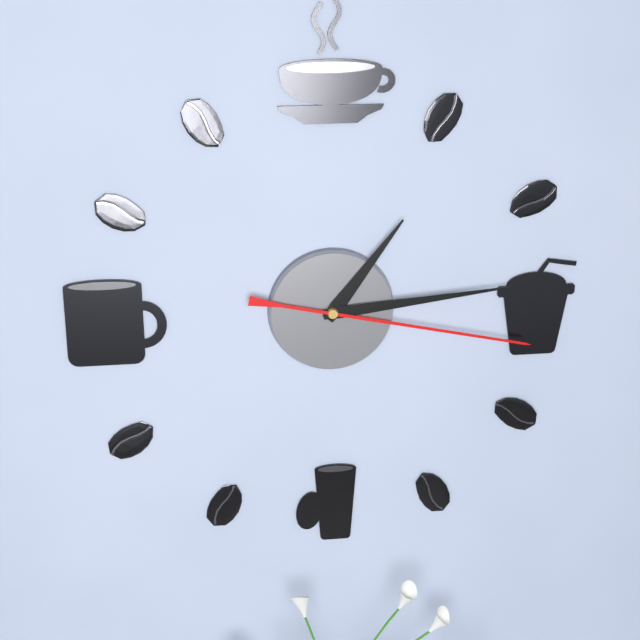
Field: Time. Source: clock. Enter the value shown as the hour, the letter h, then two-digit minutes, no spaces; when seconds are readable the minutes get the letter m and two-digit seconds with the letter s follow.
1h14m17s
